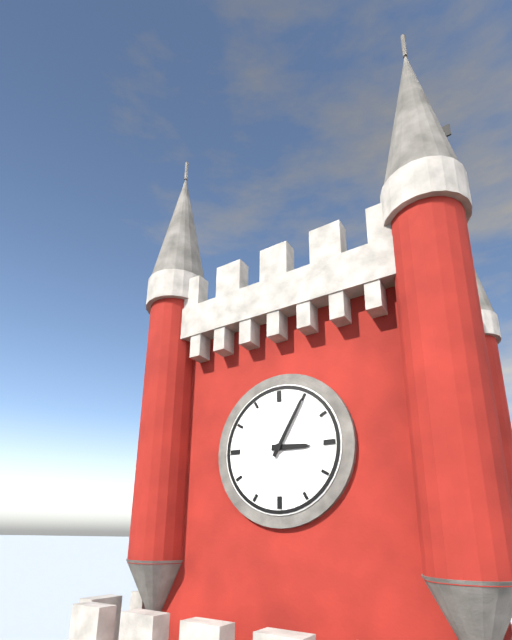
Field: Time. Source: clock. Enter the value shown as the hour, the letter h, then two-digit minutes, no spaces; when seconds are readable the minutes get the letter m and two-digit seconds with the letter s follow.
3h05
